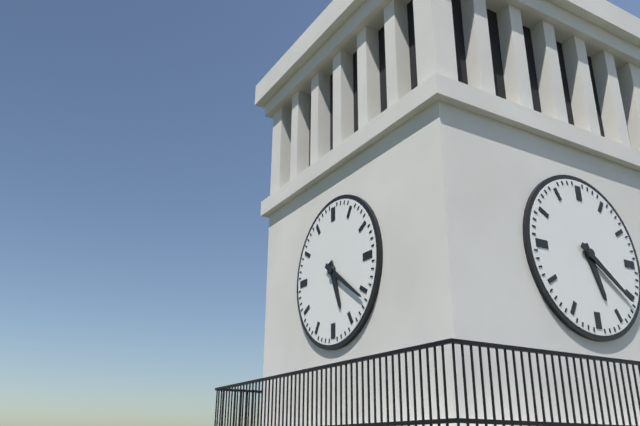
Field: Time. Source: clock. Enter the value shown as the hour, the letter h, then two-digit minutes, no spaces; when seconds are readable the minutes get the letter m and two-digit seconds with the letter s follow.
5h21
